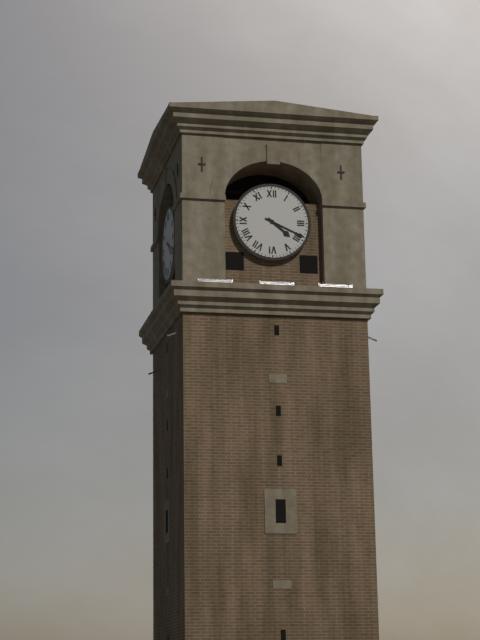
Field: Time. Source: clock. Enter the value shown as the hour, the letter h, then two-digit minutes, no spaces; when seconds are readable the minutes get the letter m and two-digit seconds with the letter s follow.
4h19
